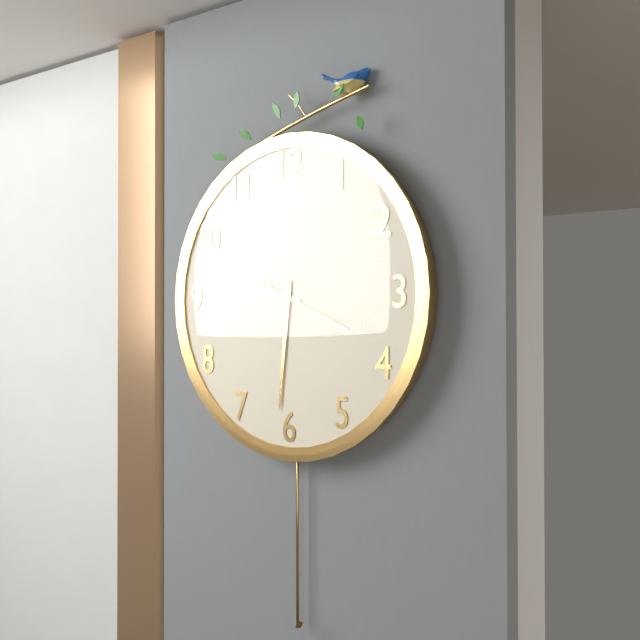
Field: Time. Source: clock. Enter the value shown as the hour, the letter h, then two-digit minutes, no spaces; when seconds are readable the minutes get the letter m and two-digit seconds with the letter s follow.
9h31m19s
